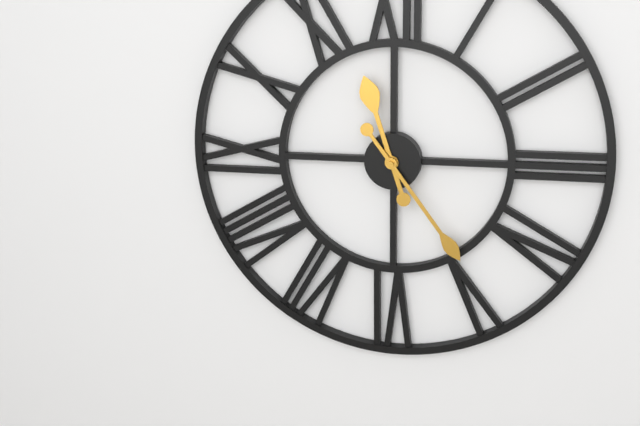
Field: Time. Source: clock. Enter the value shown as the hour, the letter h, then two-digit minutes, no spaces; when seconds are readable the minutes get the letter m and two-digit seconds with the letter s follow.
11h24
